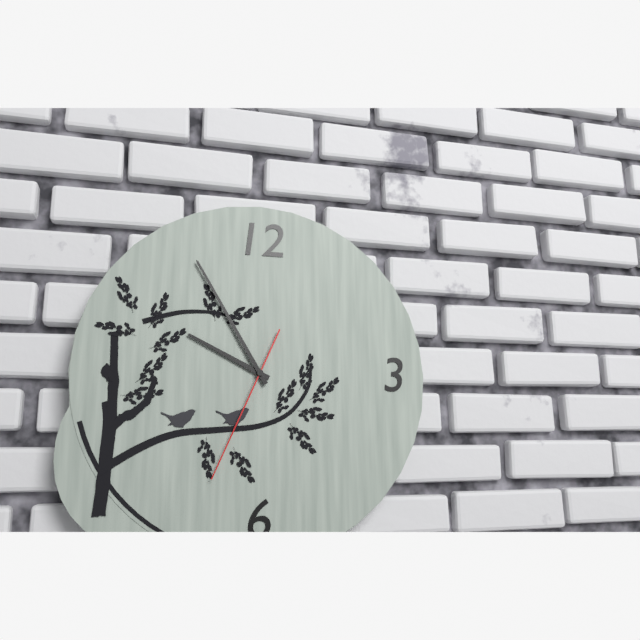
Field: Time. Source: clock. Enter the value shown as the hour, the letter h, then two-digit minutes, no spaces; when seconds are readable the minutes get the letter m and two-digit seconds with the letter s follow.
9h55m34s
